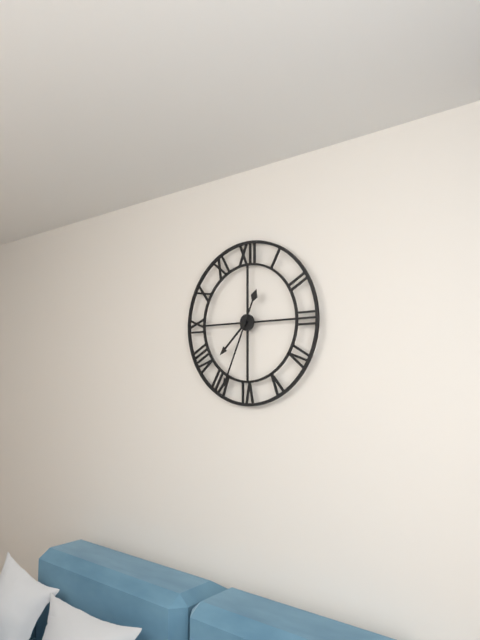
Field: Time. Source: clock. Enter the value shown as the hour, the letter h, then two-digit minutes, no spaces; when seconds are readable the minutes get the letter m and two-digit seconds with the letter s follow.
7h34
